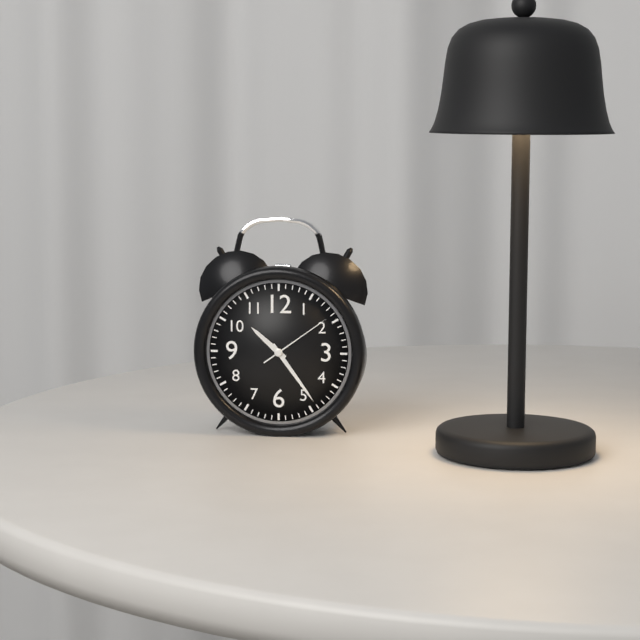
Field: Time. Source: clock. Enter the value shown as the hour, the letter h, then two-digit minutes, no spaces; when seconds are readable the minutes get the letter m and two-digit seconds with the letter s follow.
10h24m09s
